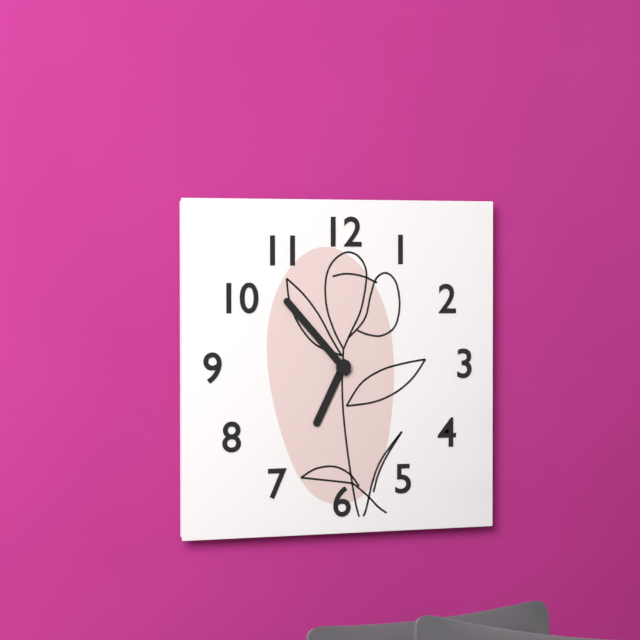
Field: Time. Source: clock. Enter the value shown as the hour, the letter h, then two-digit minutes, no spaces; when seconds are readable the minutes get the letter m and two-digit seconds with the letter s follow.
6h53
